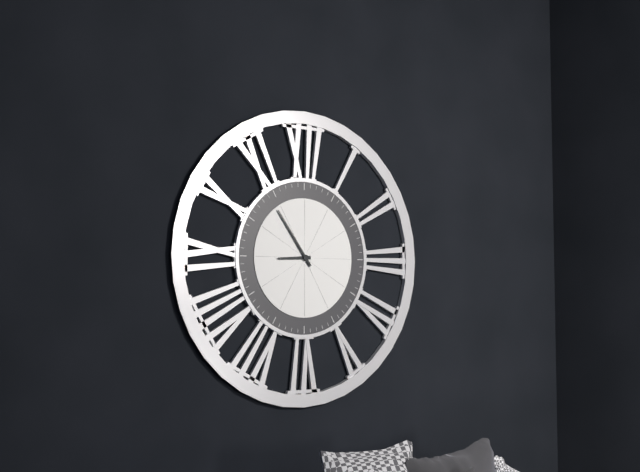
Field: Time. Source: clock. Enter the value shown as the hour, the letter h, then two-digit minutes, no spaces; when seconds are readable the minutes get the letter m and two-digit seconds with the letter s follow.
8h54
